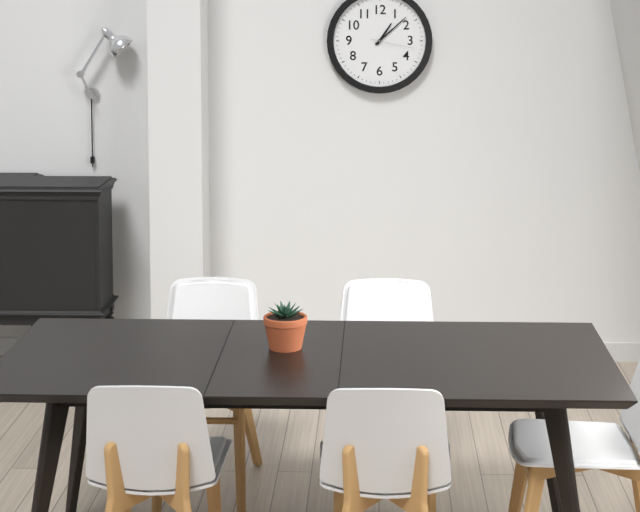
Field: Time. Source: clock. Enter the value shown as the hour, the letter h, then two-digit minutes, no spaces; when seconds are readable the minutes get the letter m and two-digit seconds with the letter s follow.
1h08
